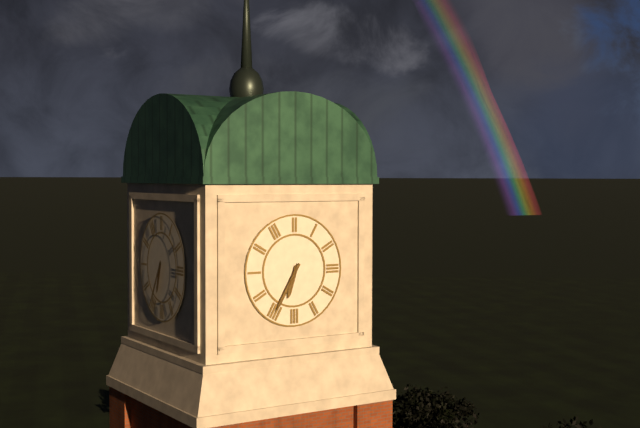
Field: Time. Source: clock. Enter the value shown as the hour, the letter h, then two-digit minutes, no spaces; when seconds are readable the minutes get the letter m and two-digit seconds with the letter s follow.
6h35
